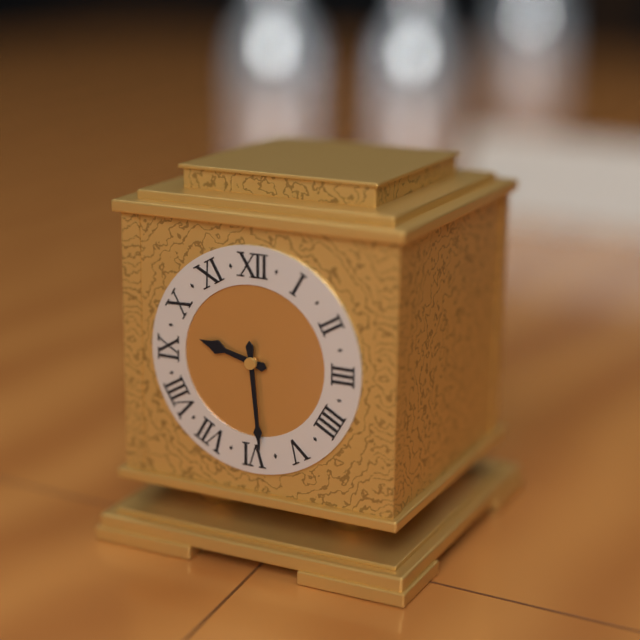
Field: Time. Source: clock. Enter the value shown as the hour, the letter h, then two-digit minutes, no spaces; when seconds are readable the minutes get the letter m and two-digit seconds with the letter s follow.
9h29
